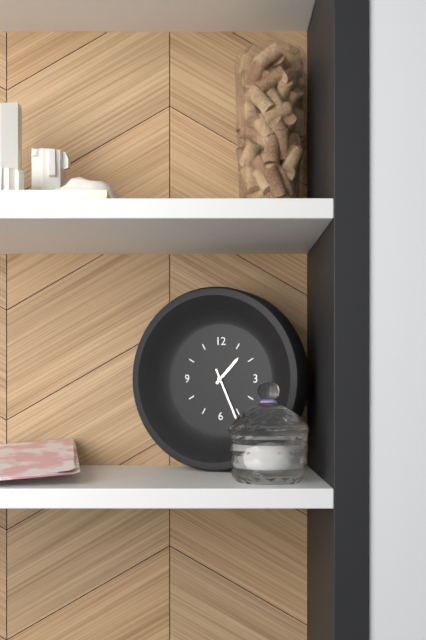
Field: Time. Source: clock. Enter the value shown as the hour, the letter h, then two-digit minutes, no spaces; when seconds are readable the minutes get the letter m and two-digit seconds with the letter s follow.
1h26
